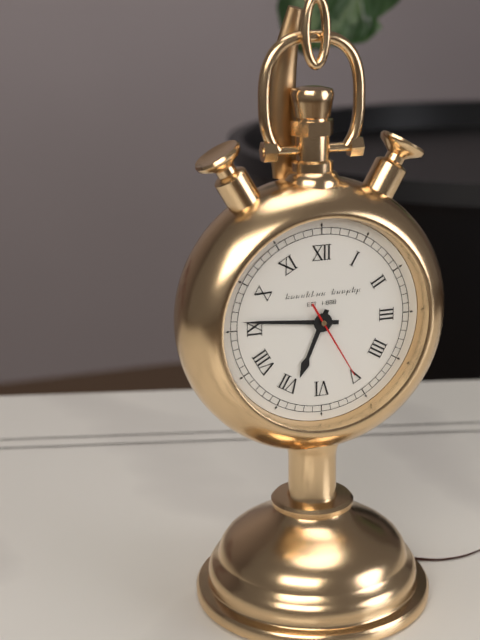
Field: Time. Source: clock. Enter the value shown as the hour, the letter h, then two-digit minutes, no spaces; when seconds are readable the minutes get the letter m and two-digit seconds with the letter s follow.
6h46m25s
